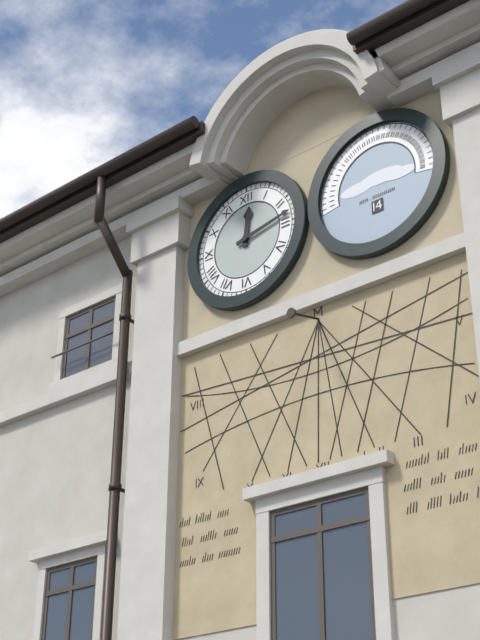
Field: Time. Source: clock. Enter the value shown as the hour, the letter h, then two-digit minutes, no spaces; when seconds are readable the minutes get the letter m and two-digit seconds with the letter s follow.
12h13
